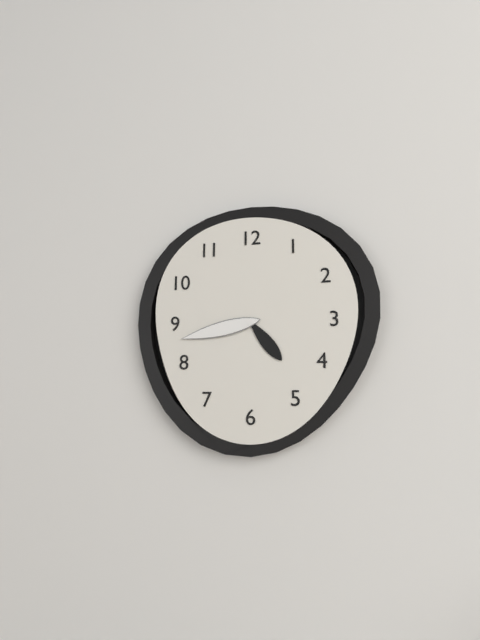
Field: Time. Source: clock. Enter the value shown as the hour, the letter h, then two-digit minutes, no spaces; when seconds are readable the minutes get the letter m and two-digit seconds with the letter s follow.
4h43
